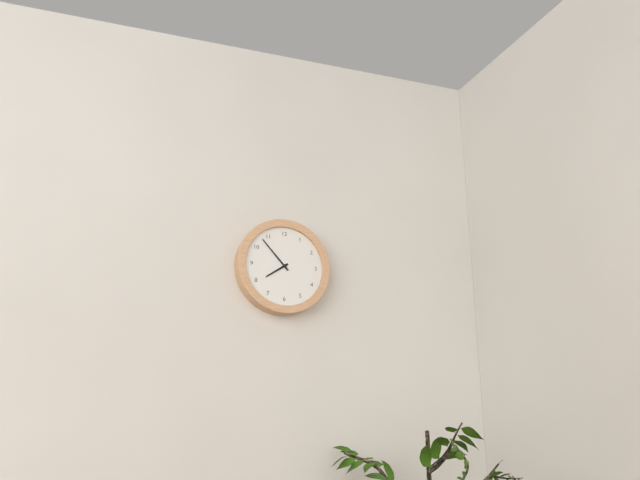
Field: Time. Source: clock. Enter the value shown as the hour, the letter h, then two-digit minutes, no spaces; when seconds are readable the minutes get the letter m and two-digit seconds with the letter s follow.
7h53
